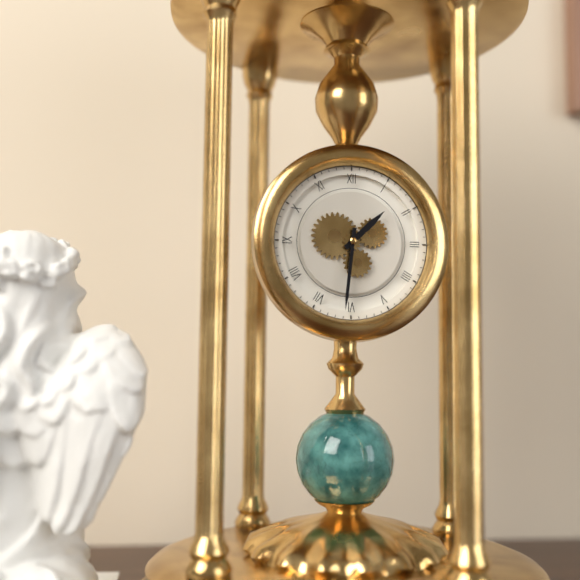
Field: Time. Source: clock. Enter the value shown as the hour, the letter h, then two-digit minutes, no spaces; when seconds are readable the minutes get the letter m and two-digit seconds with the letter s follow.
1h31
